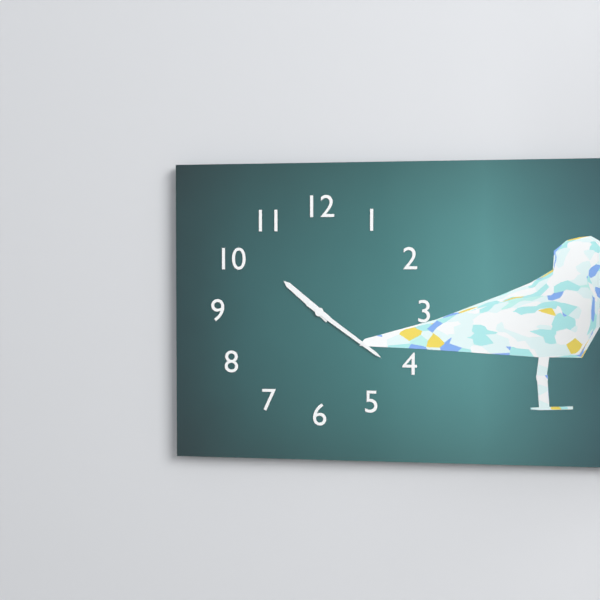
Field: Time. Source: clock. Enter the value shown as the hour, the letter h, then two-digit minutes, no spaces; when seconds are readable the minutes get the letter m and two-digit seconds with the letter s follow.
10h21
